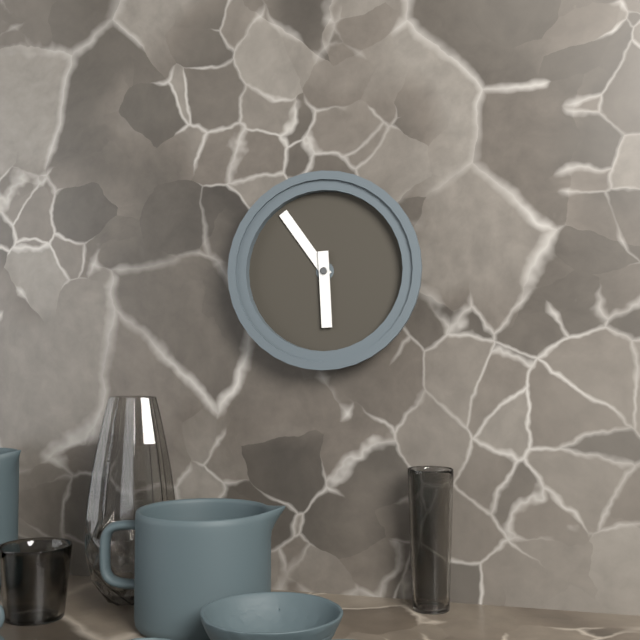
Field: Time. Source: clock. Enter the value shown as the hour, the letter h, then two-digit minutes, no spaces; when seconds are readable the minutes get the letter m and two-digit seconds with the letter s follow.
5h54
